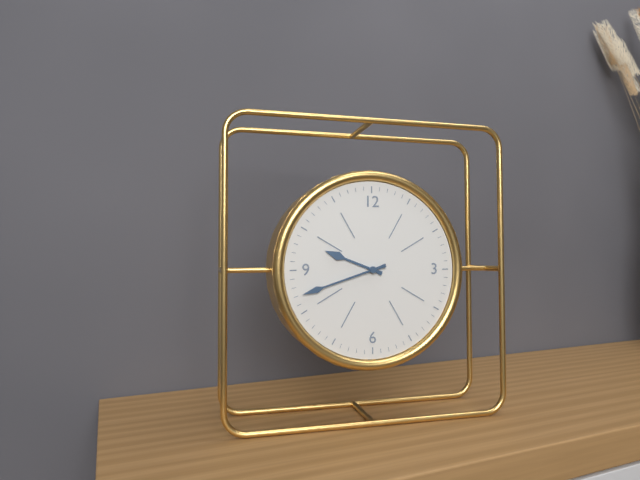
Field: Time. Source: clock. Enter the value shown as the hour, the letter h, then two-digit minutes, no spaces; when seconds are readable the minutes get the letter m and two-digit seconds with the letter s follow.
9h42
